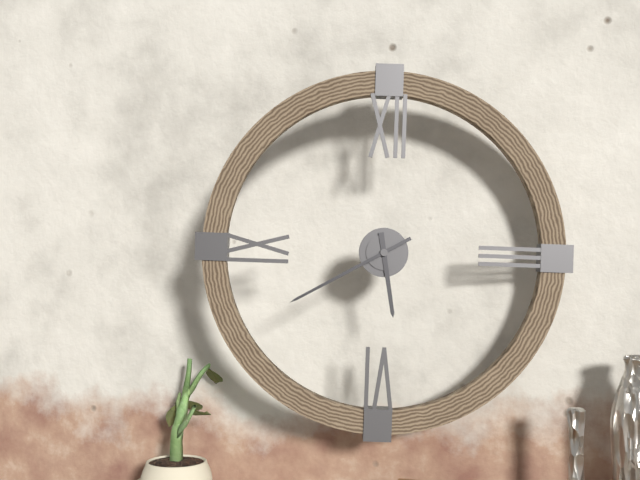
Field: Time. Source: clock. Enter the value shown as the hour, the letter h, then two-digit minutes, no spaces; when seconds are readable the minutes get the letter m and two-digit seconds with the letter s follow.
5h40
